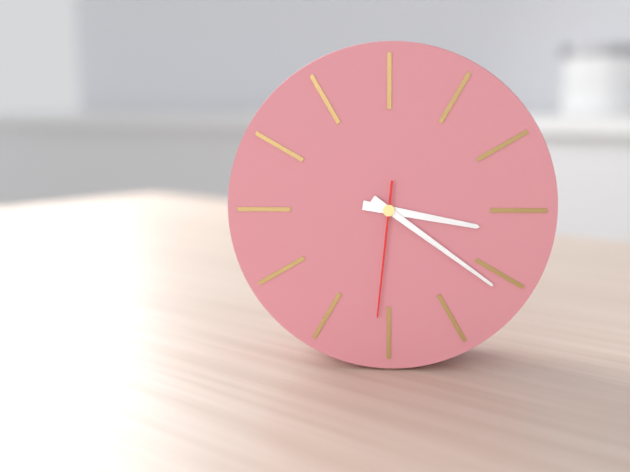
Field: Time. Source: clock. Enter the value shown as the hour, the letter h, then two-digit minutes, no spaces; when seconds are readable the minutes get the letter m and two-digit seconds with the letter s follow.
3h21m31s
